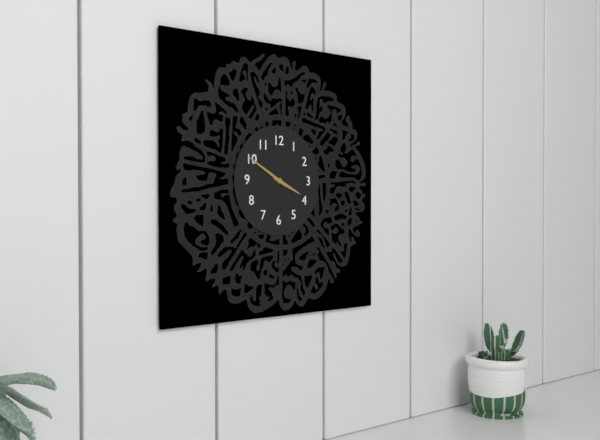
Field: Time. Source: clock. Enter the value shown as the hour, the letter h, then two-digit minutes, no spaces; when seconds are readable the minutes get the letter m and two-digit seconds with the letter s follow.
3h50
